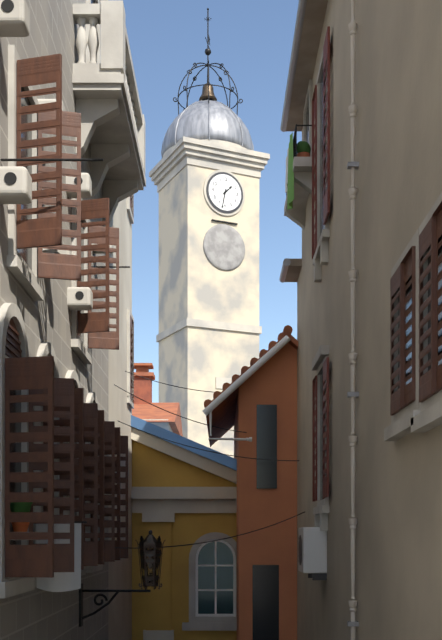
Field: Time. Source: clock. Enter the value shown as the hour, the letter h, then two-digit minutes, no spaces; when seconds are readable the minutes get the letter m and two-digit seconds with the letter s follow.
1h32
